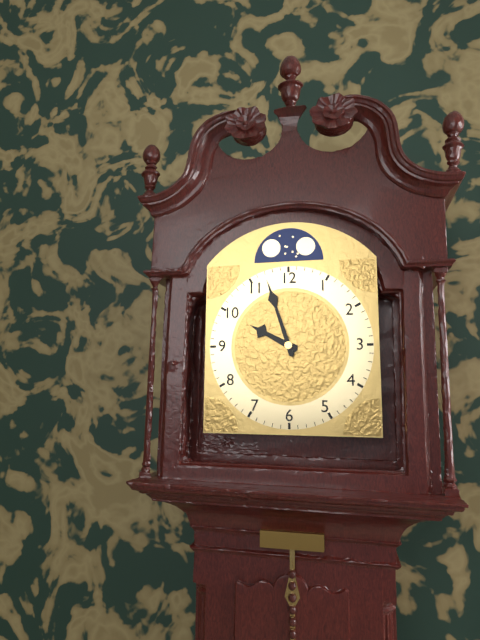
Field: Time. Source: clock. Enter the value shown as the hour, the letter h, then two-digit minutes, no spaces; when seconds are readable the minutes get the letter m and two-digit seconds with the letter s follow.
9h57
